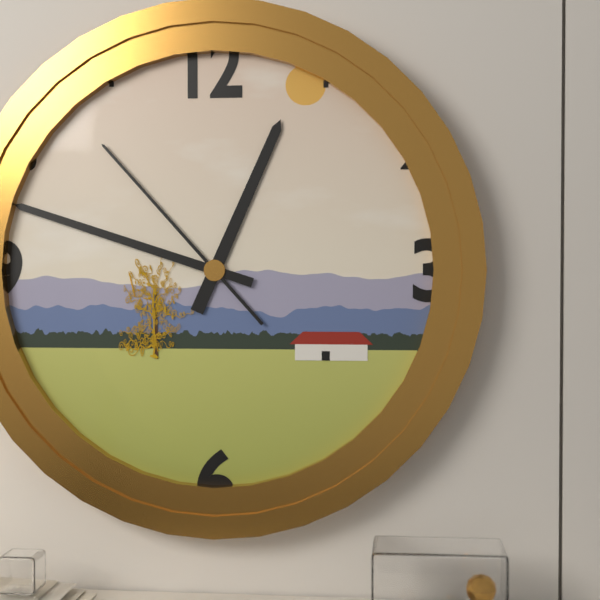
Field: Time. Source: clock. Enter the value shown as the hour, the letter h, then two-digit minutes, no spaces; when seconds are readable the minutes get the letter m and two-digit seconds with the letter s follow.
12h48m53s
